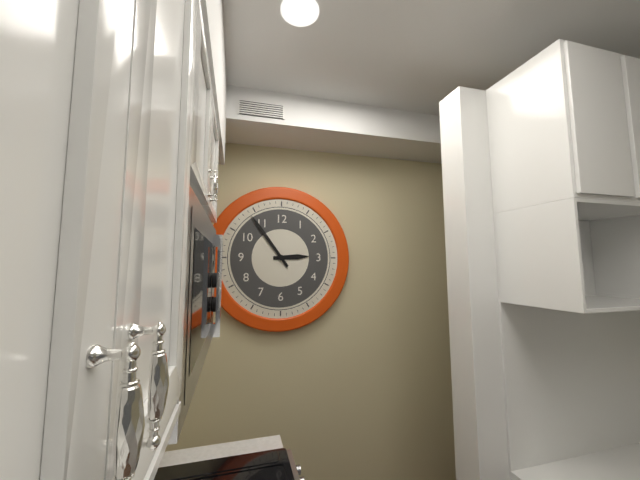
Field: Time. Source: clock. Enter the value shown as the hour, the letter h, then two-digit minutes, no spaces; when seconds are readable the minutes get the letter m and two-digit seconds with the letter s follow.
2h54
